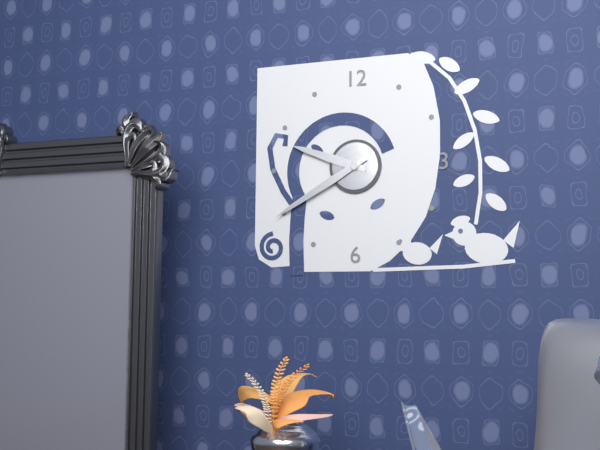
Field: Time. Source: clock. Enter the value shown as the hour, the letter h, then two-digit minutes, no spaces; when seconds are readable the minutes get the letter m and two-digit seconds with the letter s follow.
9h40
